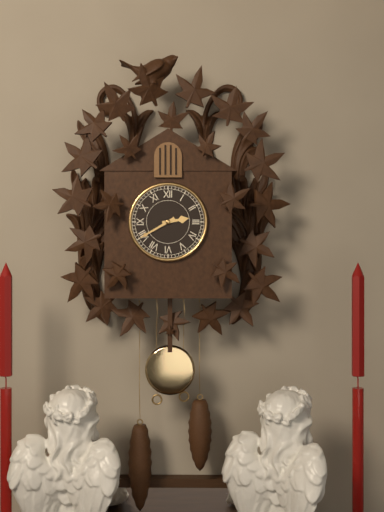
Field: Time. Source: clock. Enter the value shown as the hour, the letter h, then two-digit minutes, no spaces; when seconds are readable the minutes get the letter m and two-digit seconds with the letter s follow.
2h40
